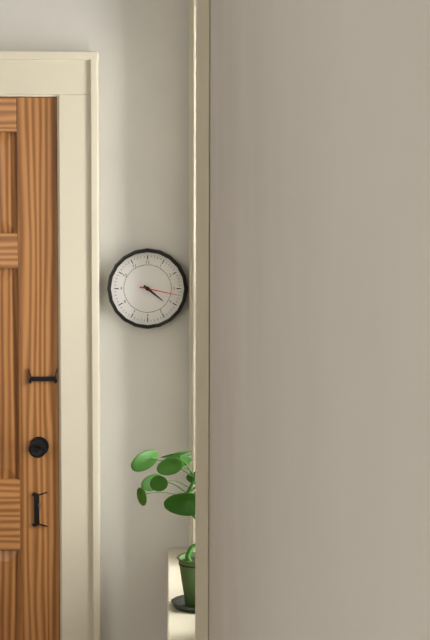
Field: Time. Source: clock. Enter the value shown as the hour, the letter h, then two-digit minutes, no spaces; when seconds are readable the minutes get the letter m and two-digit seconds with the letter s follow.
4h17
